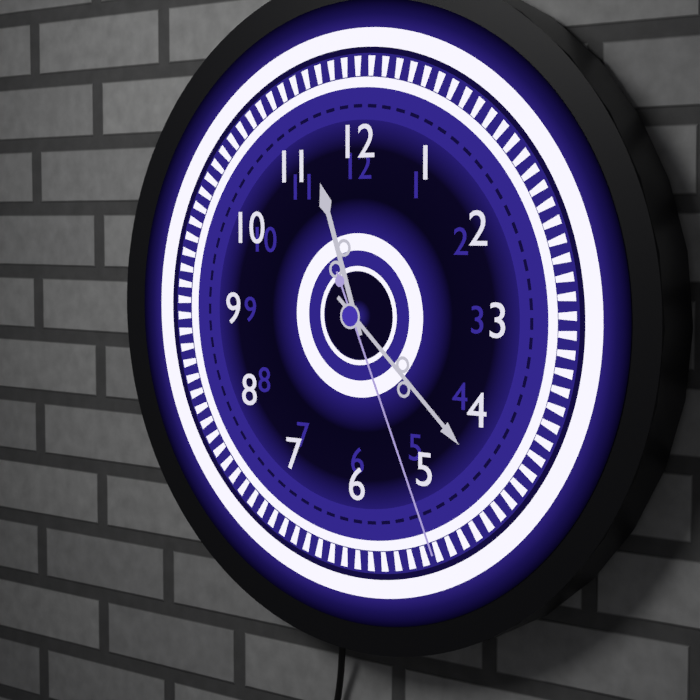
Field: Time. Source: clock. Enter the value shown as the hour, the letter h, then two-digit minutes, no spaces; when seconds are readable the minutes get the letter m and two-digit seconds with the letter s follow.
11h22m26s
